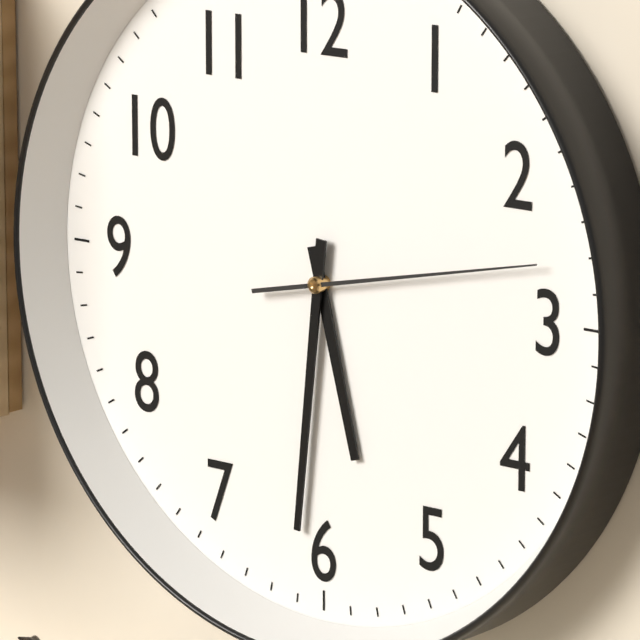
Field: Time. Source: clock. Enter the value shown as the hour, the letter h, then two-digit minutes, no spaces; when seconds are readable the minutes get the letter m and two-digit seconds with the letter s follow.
5h31m13s
